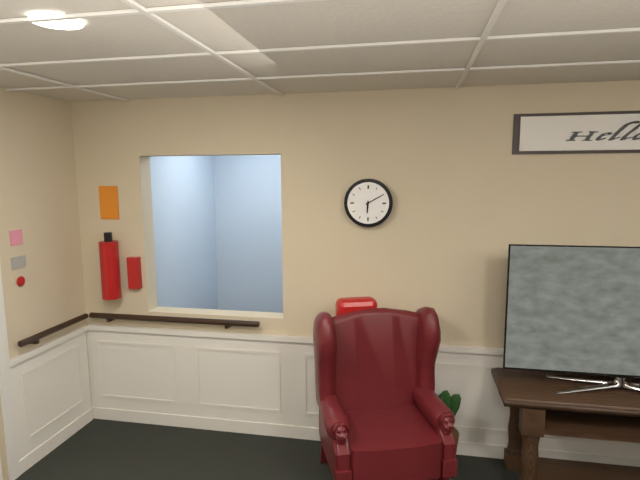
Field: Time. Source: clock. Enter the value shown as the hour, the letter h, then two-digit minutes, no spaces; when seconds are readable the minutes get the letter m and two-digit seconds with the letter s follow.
6h10
